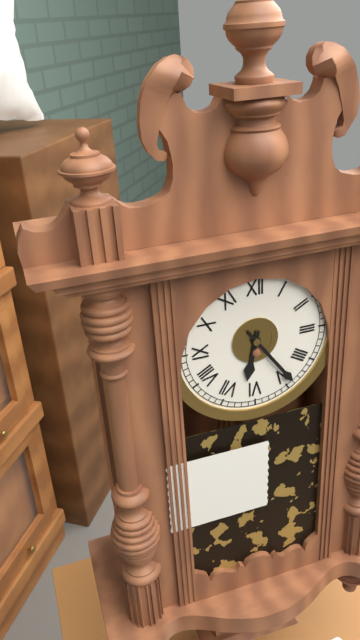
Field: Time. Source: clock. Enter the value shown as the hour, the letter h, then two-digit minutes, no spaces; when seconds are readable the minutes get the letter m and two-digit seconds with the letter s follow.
6h24
